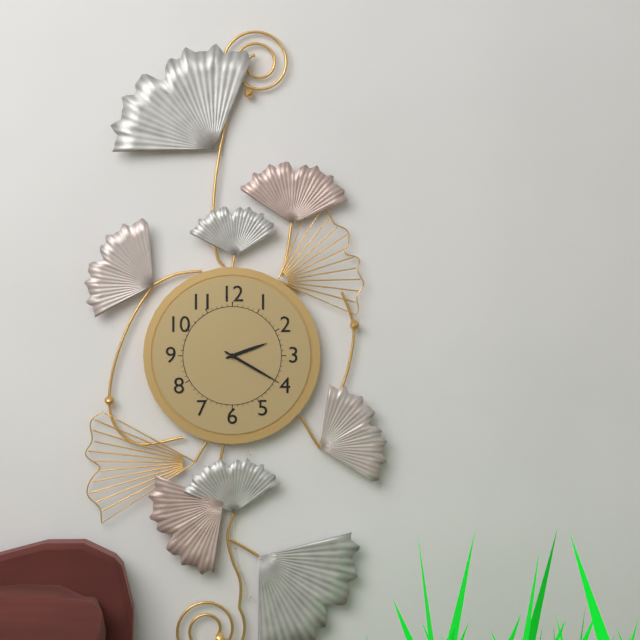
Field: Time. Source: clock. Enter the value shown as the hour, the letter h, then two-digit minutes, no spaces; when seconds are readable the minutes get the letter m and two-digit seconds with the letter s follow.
2h20
